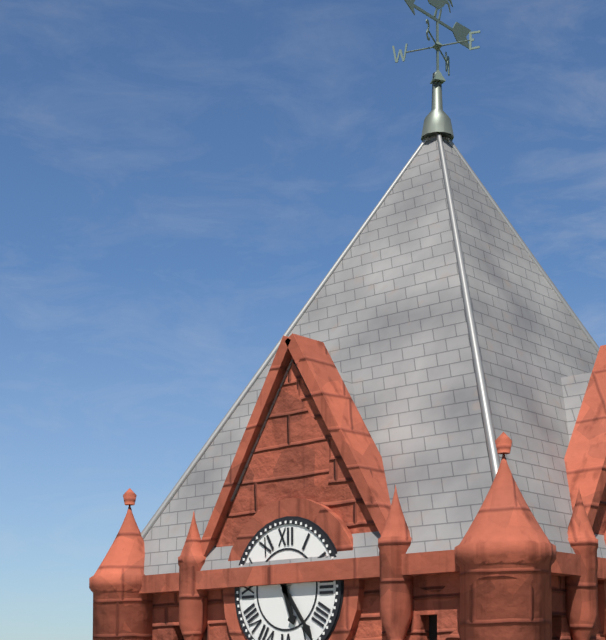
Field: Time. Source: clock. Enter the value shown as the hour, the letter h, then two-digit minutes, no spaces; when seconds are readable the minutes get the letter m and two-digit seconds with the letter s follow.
5h24
